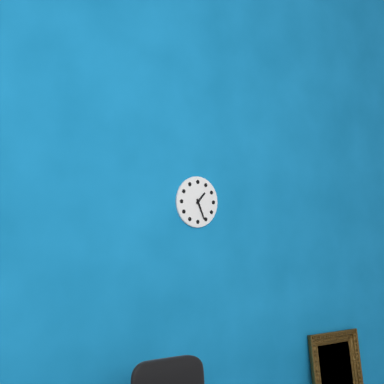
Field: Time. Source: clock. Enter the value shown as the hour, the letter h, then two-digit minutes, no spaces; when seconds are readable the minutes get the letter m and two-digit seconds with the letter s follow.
1h26
